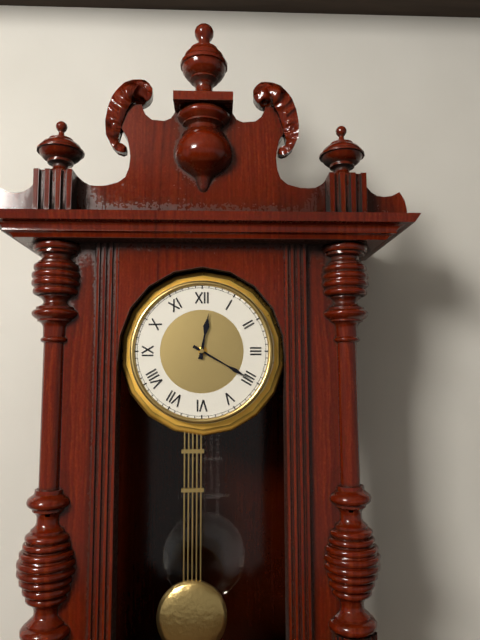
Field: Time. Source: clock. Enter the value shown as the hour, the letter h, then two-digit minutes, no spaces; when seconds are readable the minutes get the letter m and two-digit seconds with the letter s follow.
12h20
